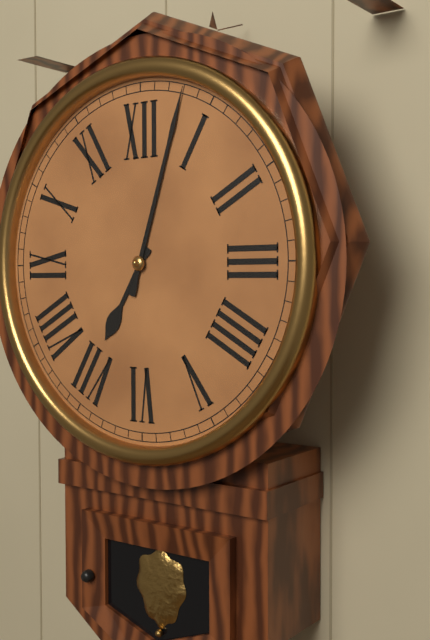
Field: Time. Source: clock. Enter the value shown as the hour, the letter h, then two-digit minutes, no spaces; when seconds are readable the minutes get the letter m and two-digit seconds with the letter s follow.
7h03
